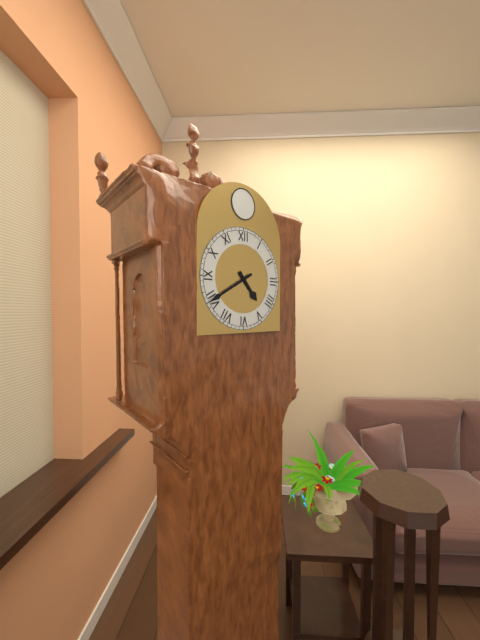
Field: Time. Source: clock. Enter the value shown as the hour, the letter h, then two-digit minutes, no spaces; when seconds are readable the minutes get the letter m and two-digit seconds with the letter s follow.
4h40
